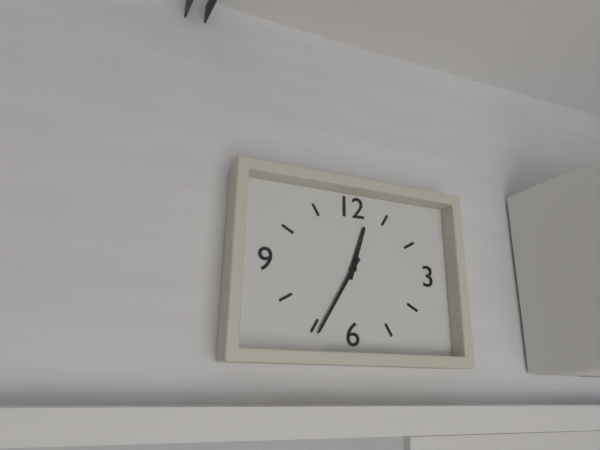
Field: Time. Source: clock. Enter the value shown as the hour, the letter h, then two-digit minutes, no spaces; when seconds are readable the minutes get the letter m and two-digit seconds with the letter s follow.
12h35
